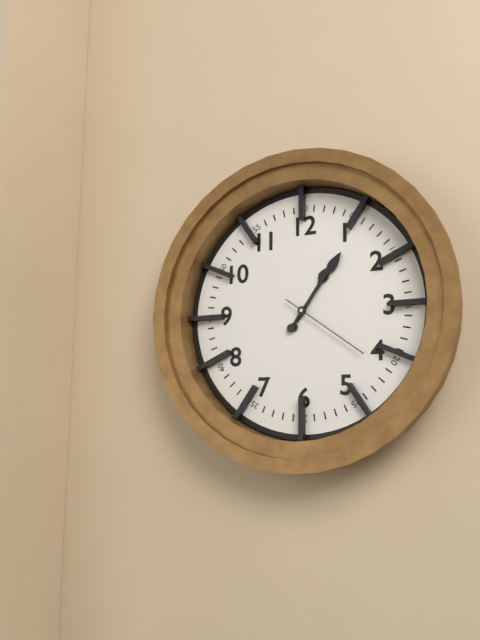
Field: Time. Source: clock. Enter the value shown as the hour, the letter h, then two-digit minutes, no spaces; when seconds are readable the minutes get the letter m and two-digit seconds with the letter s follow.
1h06m21s
